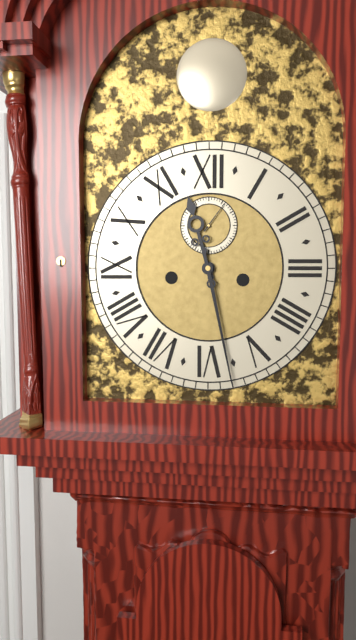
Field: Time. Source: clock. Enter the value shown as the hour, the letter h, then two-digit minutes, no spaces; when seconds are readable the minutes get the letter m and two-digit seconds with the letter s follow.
11h28
